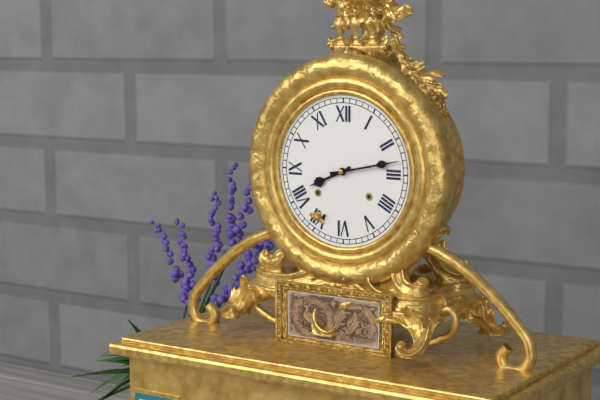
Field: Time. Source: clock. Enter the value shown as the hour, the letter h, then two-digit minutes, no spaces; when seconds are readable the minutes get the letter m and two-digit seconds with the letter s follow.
8h13
